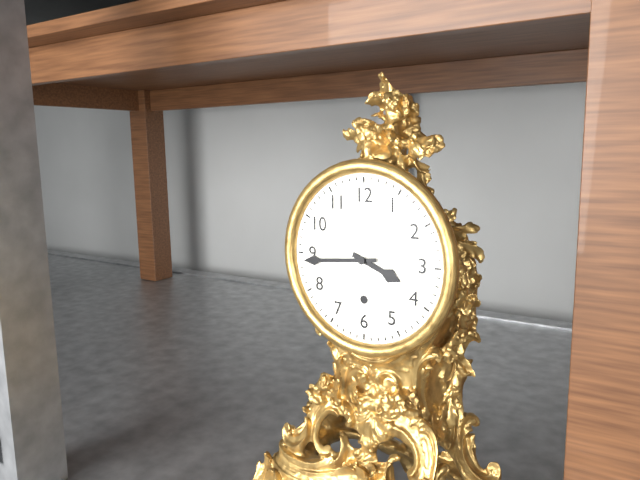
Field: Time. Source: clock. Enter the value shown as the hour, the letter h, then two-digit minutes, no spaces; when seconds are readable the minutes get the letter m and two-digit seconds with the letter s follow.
3h44
